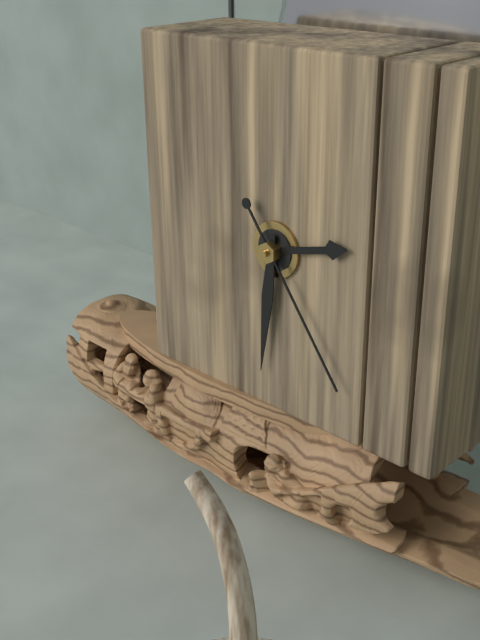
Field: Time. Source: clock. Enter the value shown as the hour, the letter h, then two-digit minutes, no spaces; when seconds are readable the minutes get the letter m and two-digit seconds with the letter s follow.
2h31m24s
